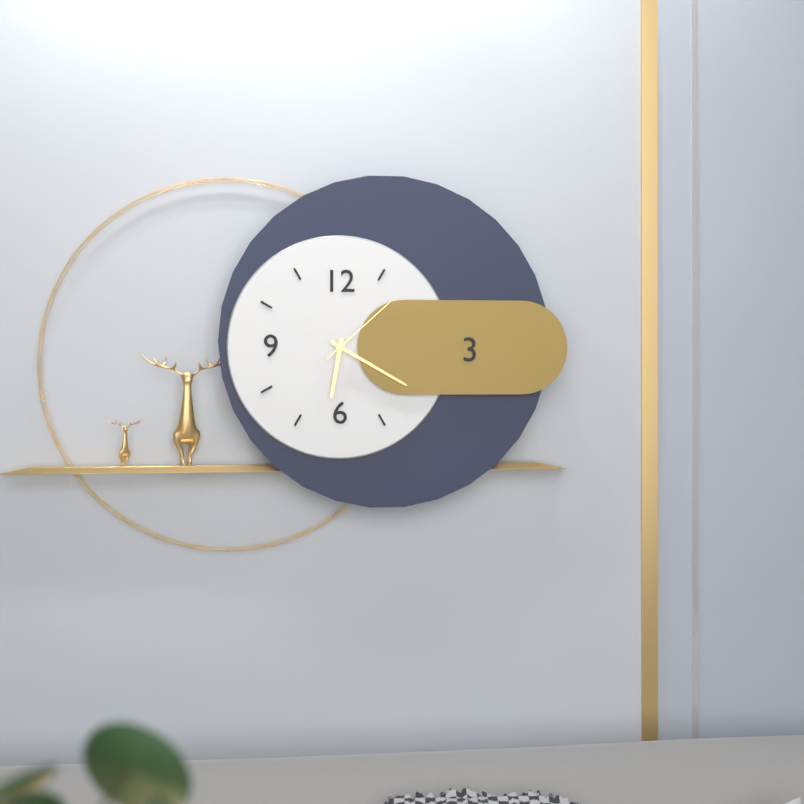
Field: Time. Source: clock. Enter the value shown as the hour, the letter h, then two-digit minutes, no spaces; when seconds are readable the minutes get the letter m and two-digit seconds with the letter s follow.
6h20m08s
